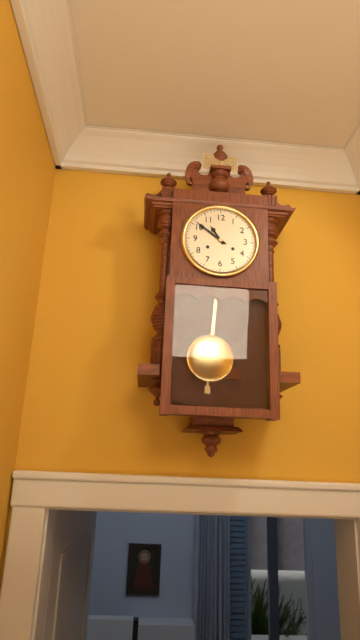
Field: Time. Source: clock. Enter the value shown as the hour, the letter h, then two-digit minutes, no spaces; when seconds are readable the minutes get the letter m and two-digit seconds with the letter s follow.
10h51
